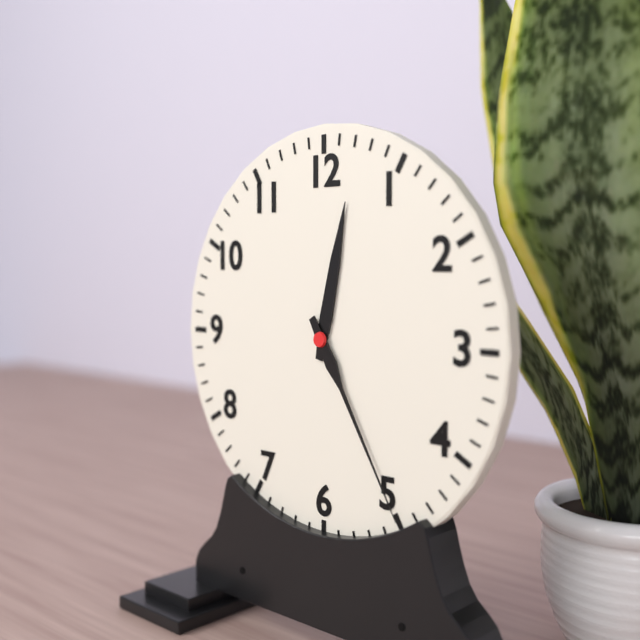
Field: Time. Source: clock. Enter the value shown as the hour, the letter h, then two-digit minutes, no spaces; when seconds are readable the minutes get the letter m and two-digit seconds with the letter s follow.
12h25
